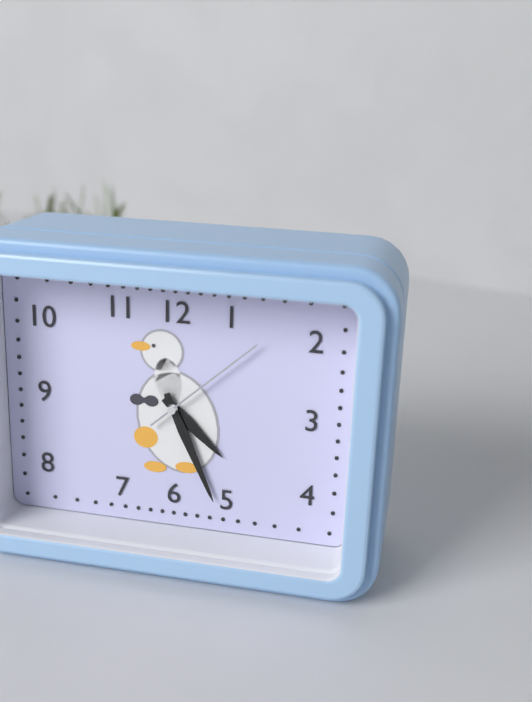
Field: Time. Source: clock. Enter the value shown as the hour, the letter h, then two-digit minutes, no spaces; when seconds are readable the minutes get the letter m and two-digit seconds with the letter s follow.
4h26m08s
